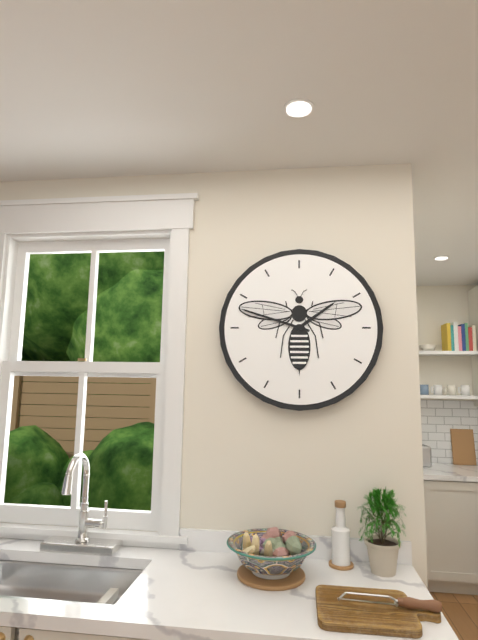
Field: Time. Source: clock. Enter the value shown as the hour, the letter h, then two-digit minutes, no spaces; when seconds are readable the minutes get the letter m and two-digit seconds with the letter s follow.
1h48
